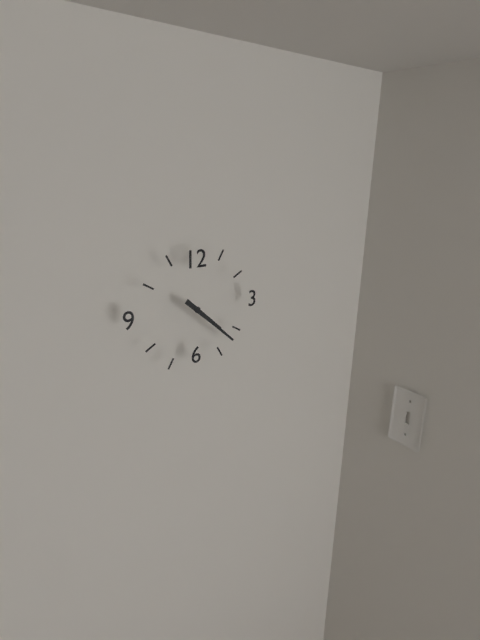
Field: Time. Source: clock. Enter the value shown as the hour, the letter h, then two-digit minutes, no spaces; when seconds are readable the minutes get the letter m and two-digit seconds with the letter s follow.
4h22
